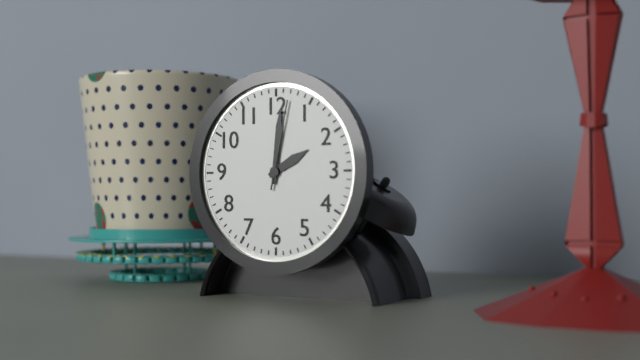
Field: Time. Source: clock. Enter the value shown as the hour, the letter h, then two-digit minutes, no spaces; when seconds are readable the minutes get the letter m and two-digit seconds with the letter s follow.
2h01m02s
